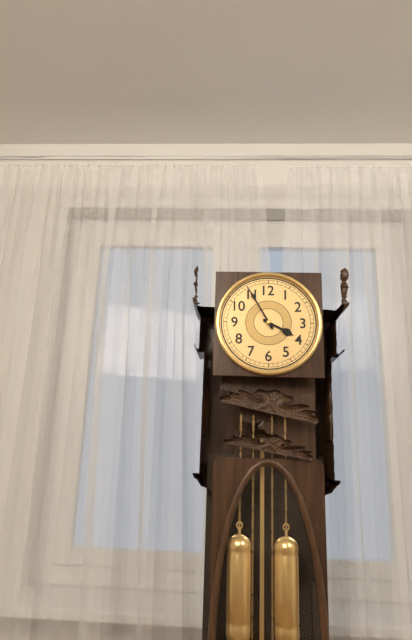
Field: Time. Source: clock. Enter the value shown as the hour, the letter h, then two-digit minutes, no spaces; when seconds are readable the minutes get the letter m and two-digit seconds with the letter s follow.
3h55
